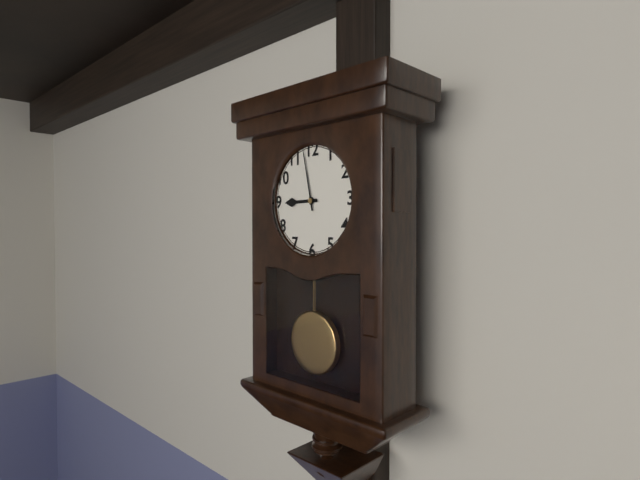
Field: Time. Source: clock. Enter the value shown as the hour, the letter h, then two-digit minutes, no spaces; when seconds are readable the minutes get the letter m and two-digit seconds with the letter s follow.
8h58
